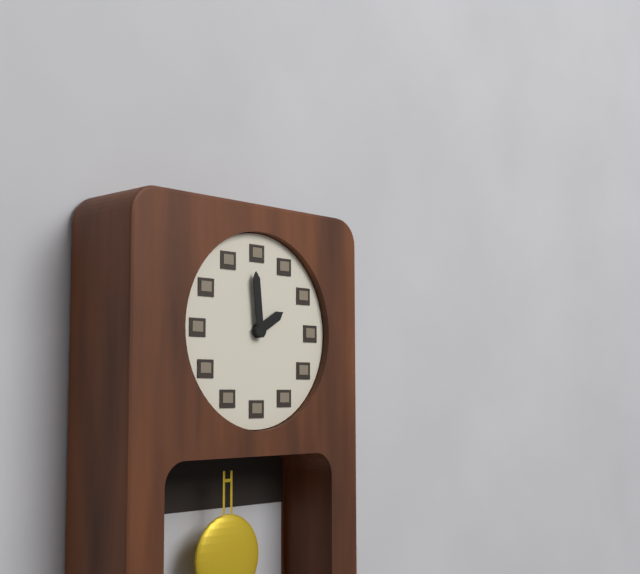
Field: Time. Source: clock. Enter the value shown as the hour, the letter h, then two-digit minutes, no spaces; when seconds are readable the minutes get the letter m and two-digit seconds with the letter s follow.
1h59
